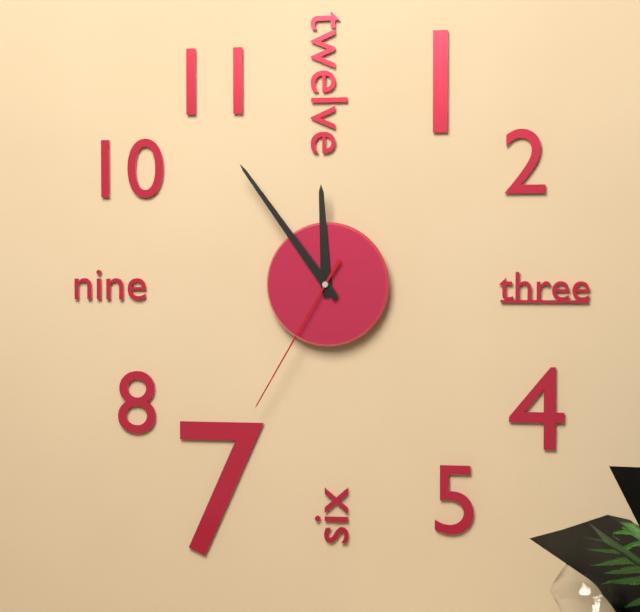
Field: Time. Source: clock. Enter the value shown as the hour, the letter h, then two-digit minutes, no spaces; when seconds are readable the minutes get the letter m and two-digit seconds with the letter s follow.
11h54m35s
